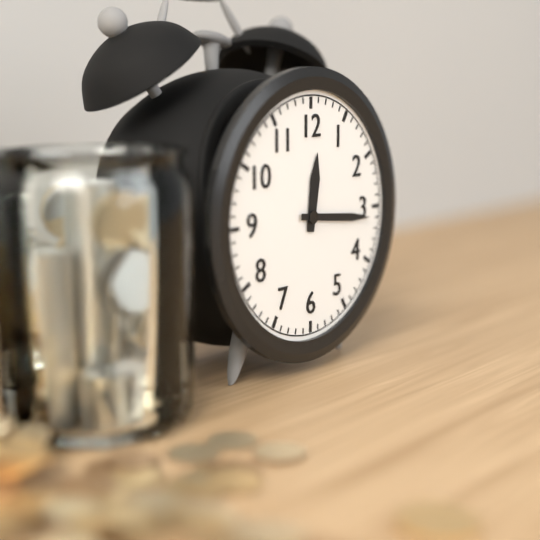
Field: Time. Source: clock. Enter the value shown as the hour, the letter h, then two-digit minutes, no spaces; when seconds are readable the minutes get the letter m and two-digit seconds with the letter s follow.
12h16
